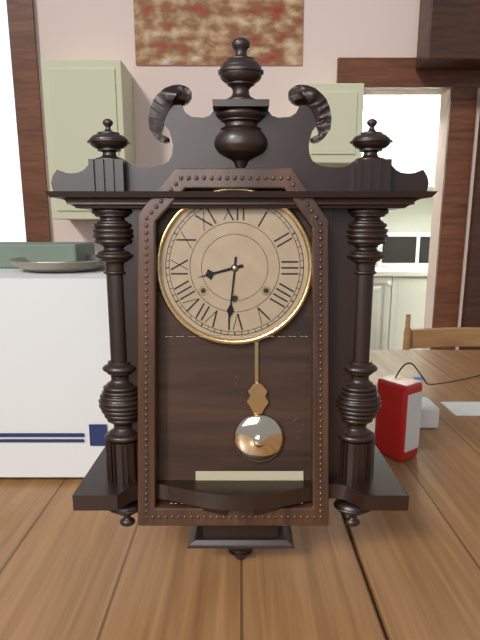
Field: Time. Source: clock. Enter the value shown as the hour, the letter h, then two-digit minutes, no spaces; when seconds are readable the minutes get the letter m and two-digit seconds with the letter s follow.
8h31
